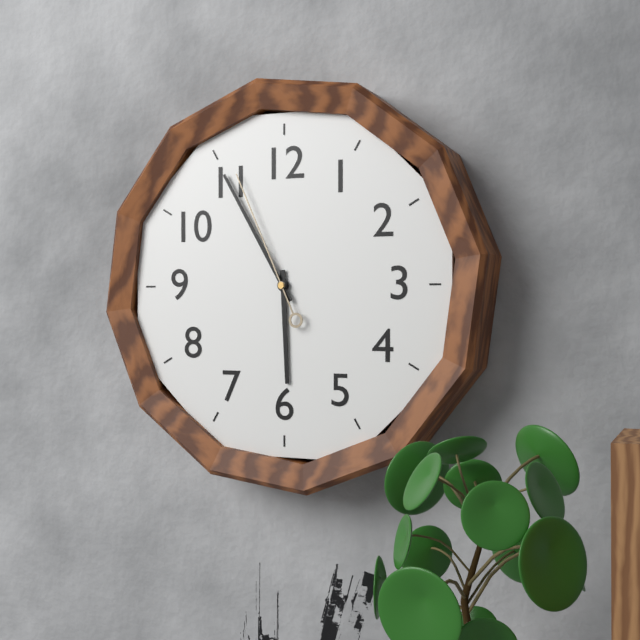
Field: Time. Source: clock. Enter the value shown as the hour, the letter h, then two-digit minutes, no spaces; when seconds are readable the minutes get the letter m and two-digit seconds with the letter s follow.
5h55m56s
